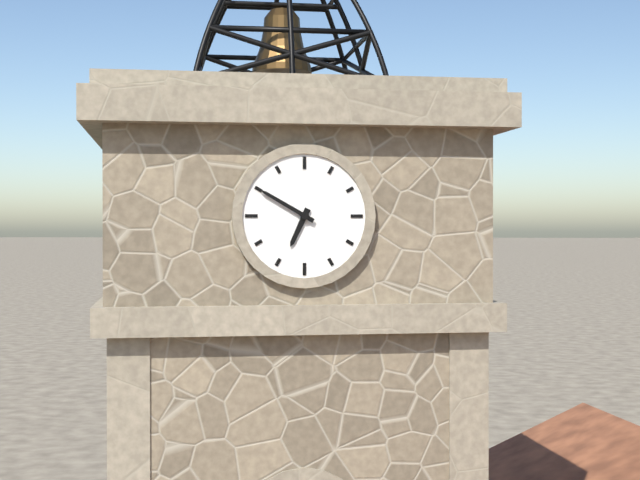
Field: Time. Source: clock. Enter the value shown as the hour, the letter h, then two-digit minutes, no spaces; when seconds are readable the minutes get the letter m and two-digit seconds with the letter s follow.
6h50
